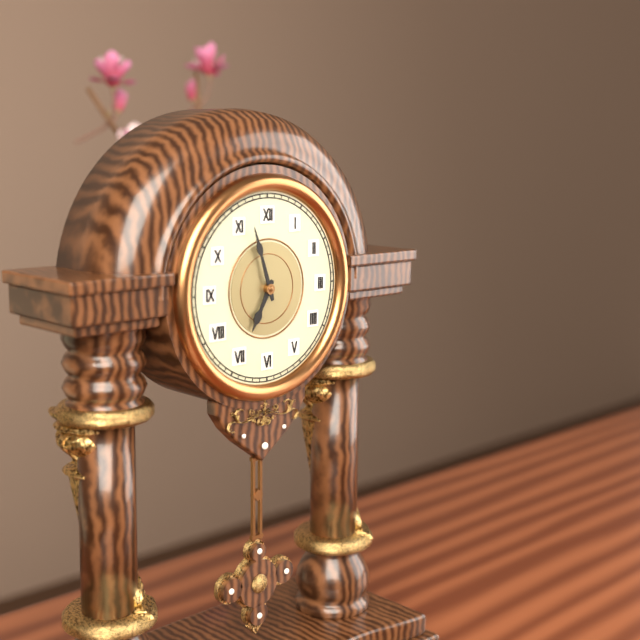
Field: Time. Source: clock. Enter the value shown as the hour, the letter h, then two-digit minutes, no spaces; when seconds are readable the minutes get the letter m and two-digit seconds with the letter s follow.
6h57
